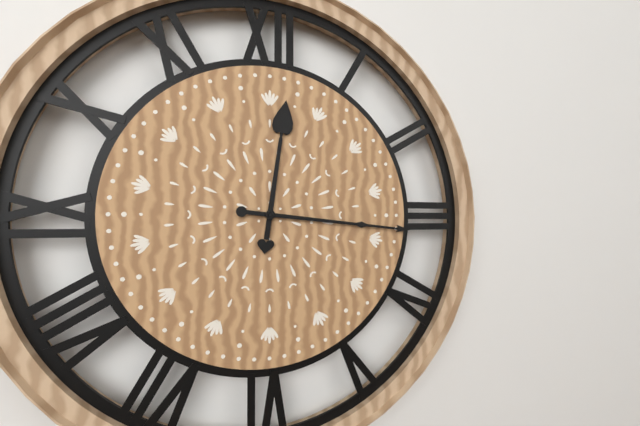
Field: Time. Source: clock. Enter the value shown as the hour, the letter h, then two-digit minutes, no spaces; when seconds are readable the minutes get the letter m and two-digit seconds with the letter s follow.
12h16
